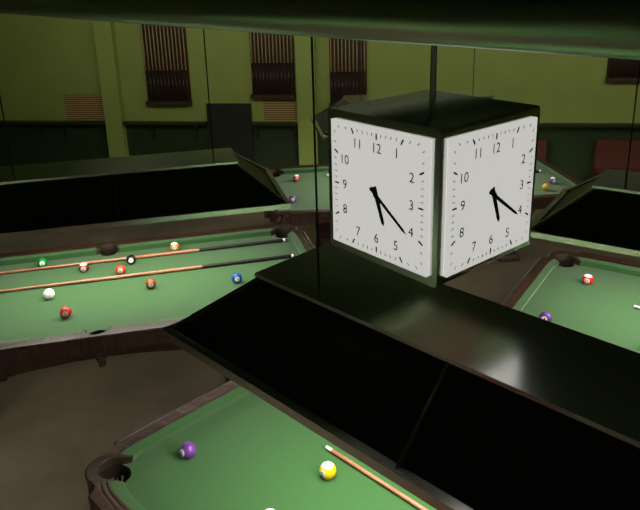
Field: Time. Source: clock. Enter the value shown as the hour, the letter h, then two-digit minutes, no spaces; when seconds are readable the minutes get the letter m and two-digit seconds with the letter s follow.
5h21
